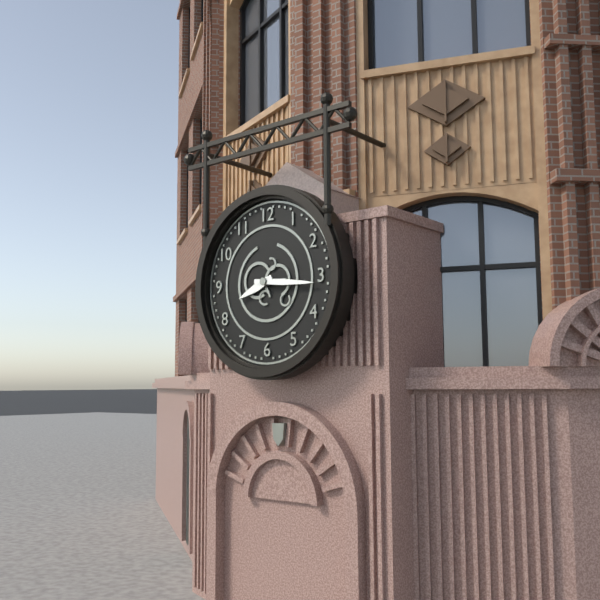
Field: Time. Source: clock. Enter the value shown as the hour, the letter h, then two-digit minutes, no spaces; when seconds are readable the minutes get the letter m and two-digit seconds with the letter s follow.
8h16
